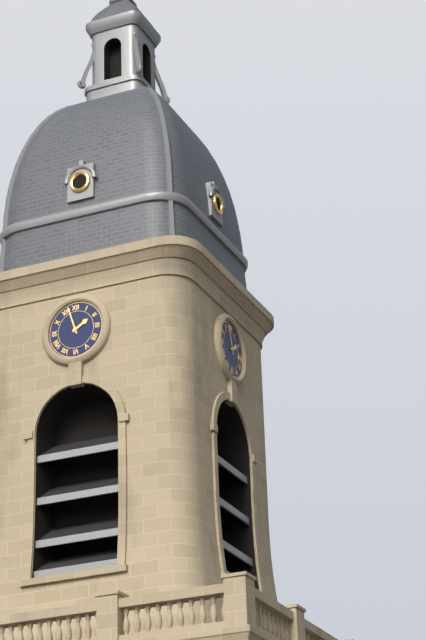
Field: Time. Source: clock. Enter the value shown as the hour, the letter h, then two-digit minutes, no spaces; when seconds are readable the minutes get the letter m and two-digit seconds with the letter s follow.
1h57
